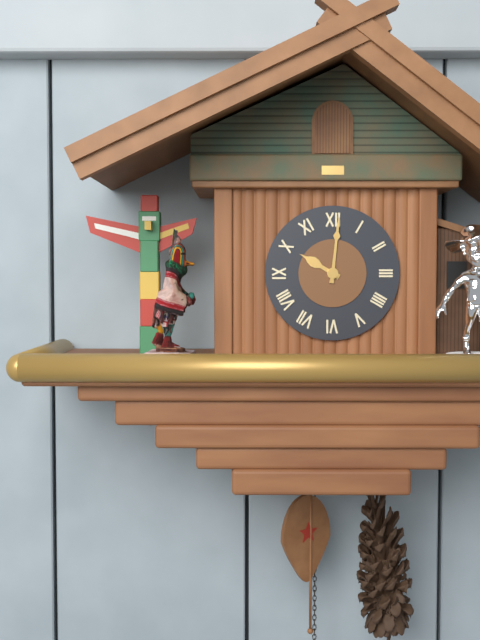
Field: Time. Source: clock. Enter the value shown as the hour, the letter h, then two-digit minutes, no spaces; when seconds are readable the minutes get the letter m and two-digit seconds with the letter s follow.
10h01
